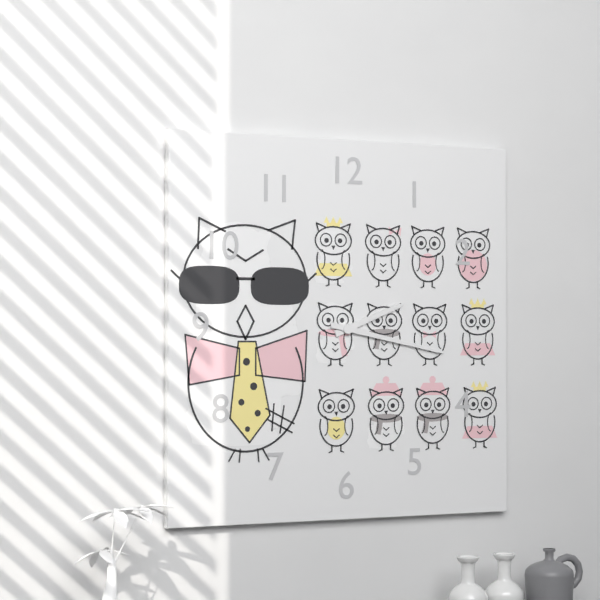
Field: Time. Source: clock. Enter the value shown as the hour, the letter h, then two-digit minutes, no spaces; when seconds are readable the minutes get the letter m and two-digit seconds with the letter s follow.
2h17
